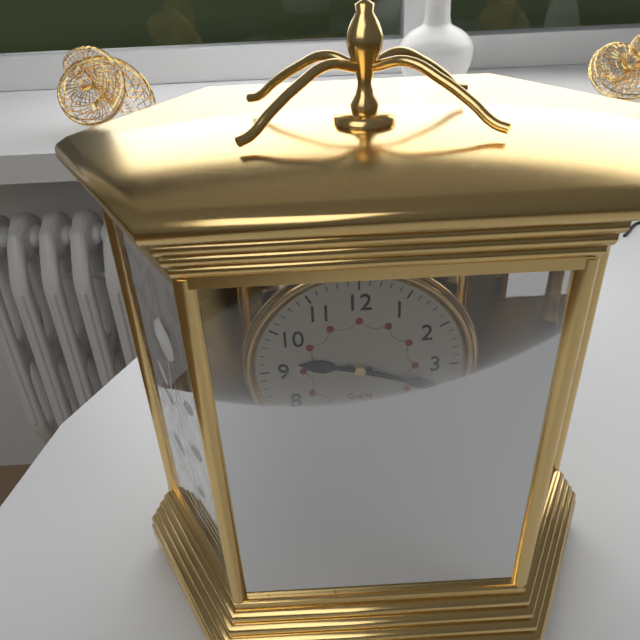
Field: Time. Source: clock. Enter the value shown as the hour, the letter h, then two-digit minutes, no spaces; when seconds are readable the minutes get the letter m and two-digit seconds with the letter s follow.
9h18
